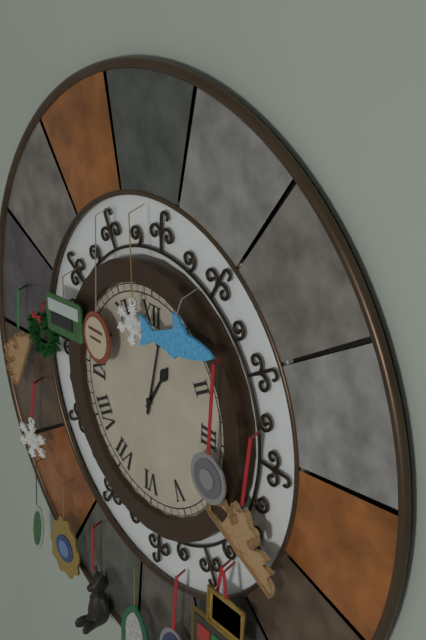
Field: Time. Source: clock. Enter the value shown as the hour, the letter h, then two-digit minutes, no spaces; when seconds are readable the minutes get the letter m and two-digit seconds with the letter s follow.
1h02
